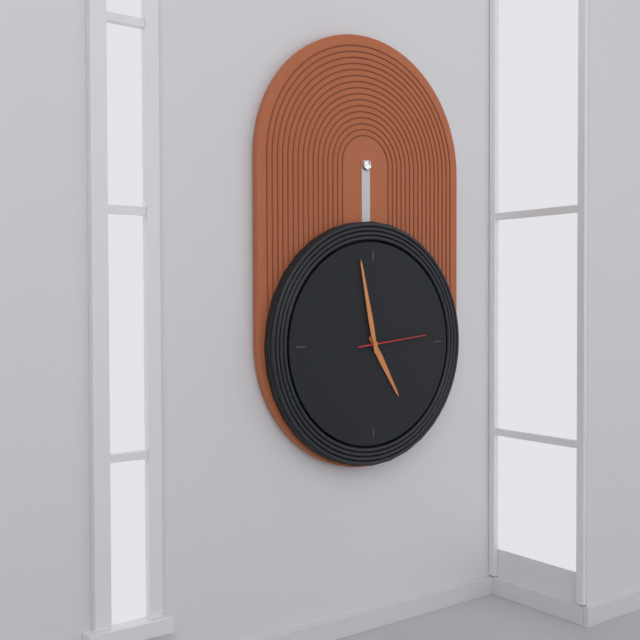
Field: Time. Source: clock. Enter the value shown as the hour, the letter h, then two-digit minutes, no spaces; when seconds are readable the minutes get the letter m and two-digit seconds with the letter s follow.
4h58m14s
